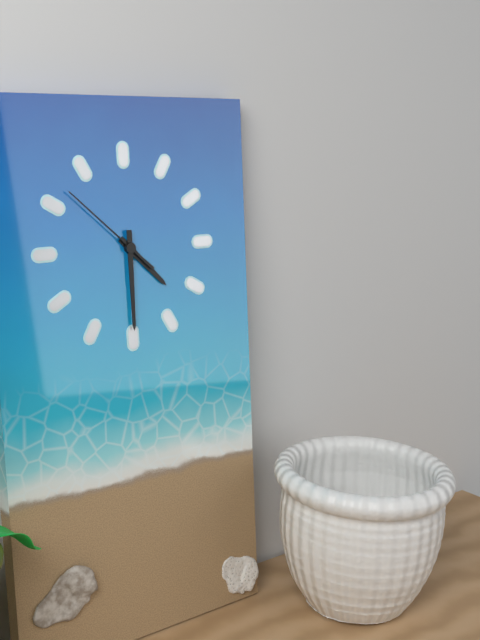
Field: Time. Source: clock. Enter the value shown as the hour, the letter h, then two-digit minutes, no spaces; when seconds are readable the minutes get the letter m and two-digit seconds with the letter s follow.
4h30m52s
